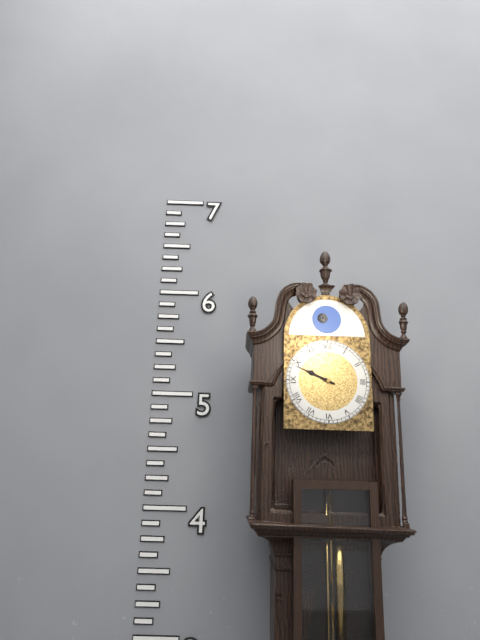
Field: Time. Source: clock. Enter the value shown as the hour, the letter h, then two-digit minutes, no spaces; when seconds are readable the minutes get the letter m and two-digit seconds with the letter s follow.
9h49
